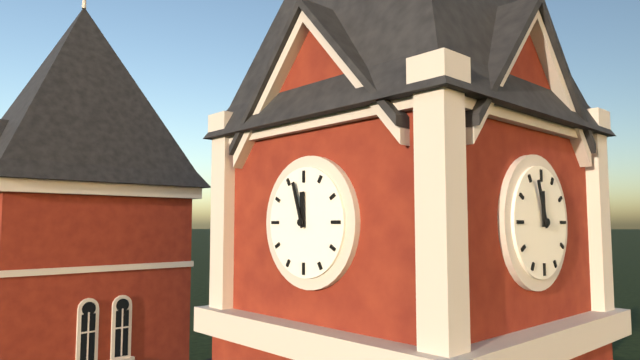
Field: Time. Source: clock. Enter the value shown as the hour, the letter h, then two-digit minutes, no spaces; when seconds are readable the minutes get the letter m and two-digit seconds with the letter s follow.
11h57
